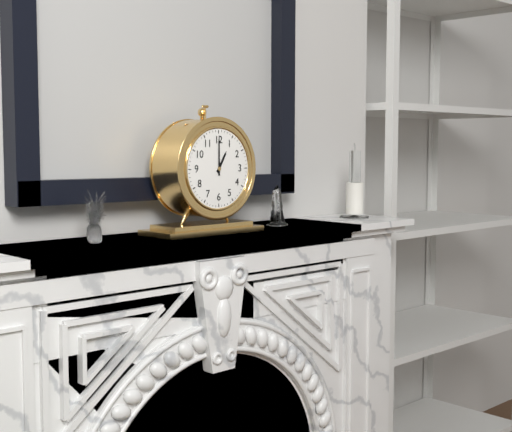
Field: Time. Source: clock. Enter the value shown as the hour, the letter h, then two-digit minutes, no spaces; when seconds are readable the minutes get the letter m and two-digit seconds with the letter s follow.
1h00
